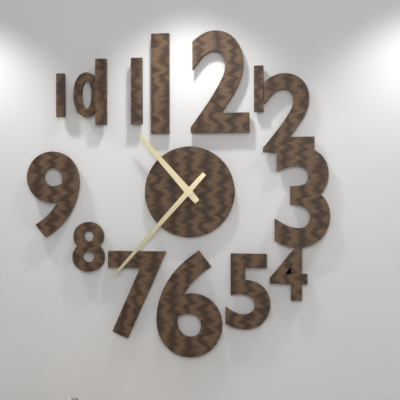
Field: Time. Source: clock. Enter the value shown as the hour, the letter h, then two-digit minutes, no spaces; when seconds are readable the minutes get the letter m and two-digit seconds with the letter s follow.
10h37
